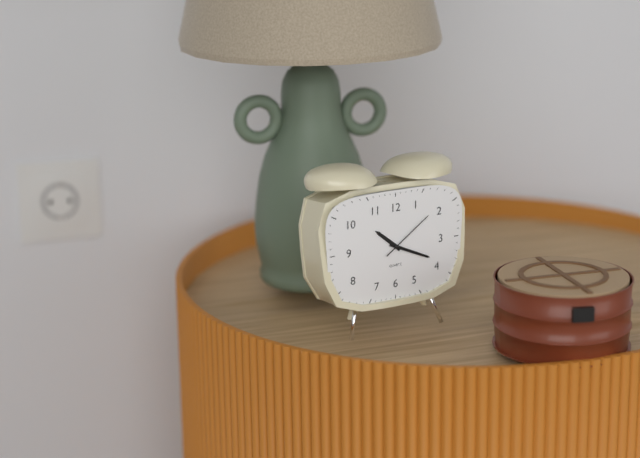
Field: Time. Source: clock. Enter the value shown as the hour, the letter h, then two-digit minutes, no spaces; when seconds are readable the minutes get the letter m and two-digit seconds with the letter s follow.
10h19m09s
